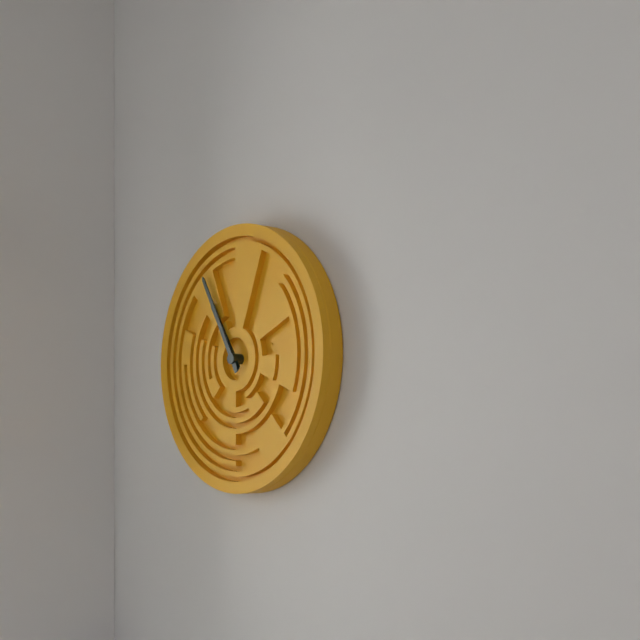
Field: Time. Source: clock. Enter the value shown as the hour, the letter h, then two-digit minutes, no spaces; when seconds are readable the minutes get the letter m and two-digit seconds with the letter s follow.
10h55
